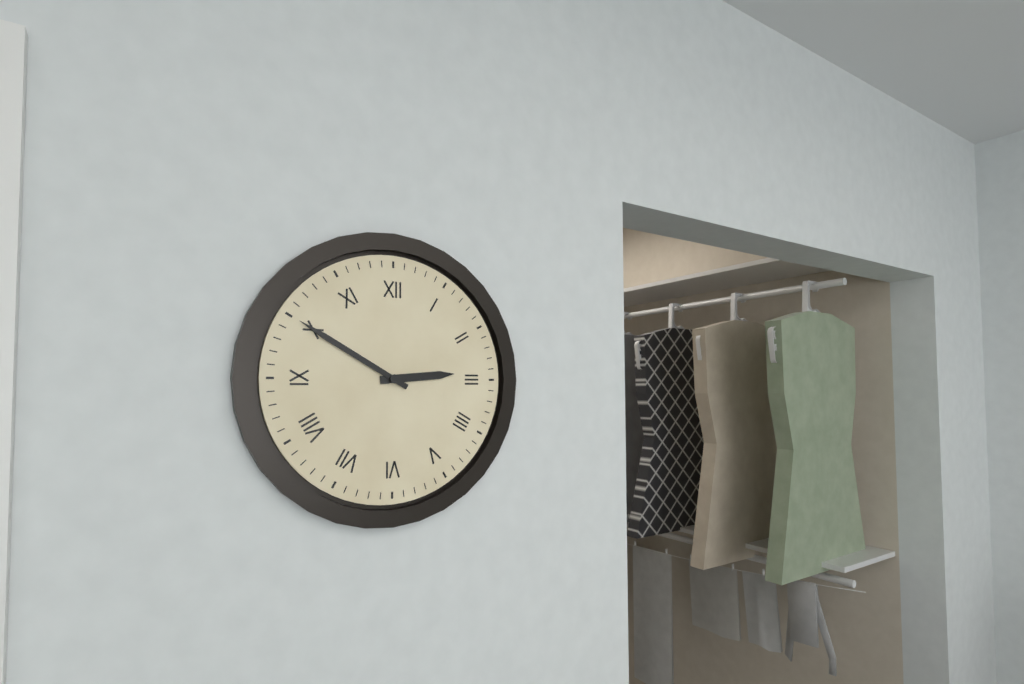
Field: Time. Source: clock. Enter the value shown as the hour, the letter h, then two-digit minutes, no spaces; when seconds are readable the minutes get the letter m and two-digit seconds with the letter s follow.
2h50
